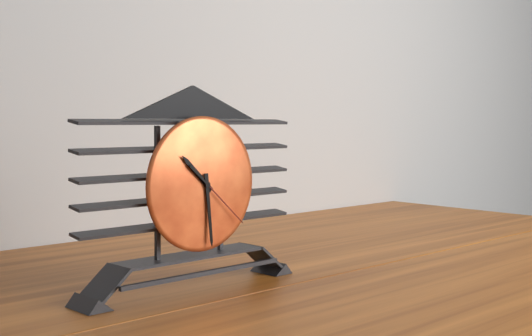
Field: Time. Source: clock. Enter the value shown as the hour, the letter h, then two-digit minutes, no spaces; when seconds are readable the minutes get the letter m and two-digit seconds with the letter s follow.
10h29m22s
